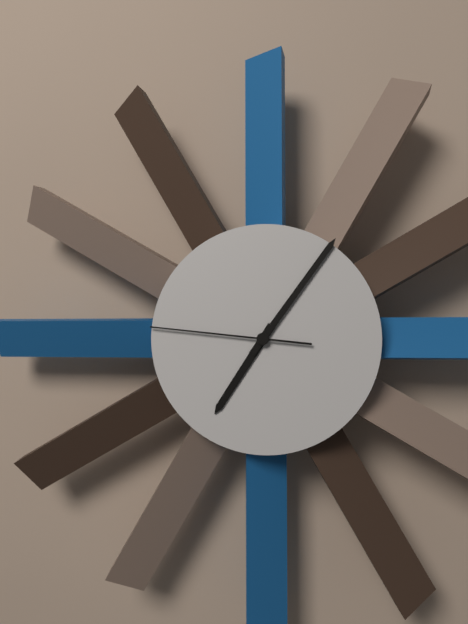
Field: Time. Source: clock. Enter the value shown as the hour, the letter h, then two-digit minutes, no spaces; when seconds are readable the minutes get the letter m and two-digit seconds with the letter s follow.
7h06m46s
